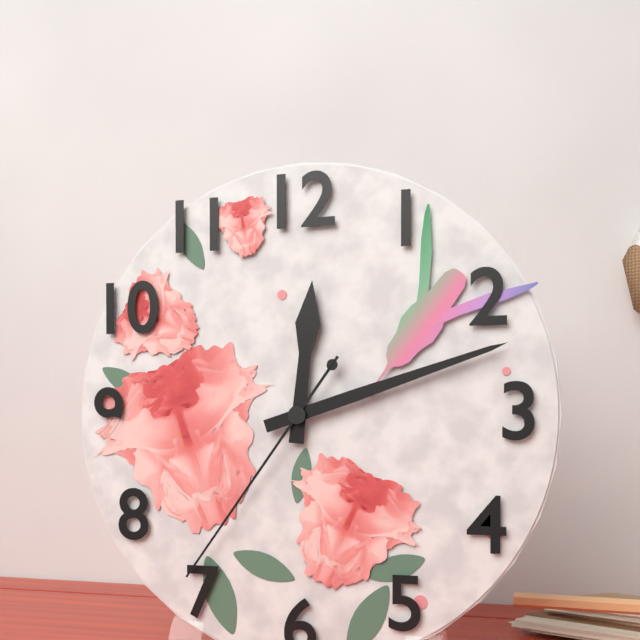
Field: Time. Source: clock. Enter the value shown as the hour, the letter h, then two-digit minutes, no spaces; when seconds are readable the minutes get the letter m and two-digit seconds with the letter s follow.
12h12m36s
